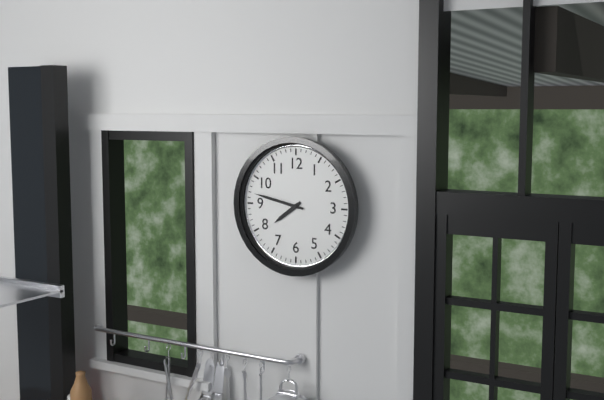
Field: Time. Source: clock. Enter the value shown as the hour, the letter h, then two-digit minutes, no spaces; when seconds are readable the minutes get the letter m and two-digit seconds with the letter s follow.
7h47
